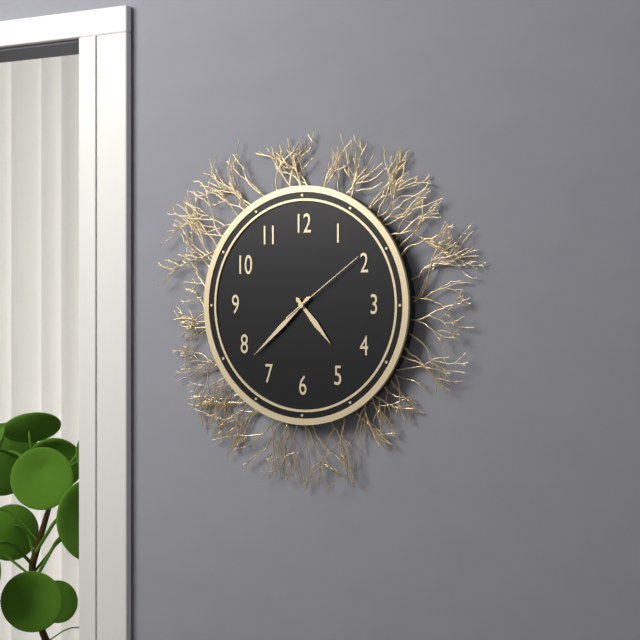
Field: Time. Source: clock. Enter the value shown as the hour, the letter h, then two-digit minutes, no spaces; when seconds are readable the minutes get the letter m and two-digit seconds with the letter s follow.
4h38m09s
